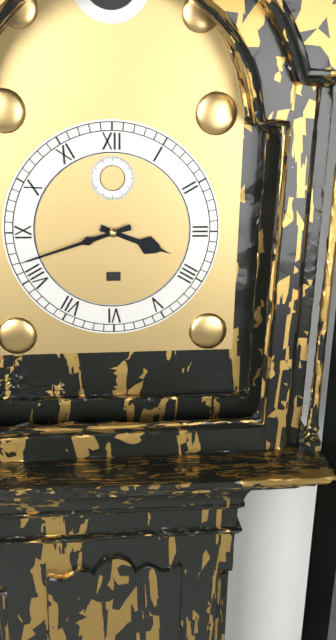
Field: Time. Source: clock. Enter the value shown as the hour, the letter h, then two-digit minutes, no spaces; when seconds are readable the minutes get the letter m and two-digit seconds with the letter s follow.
3h42
